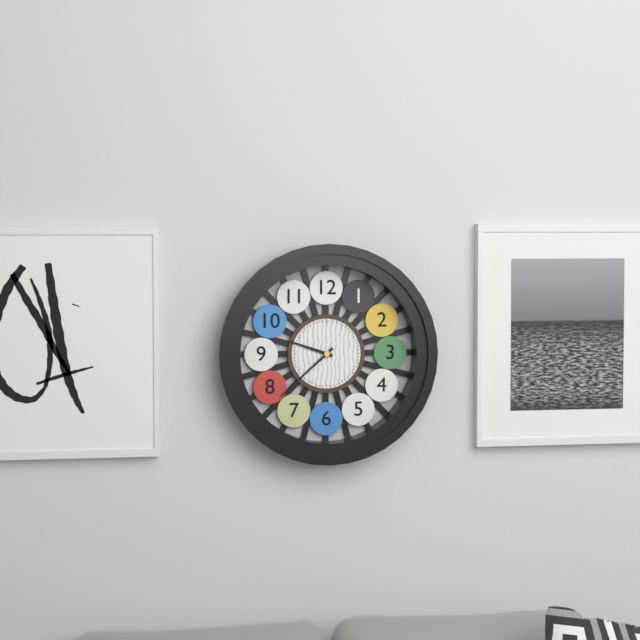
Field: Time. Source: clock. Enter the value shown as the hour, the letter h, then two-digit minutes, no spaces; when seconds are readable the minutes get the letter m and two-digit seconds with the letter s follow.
9h38
